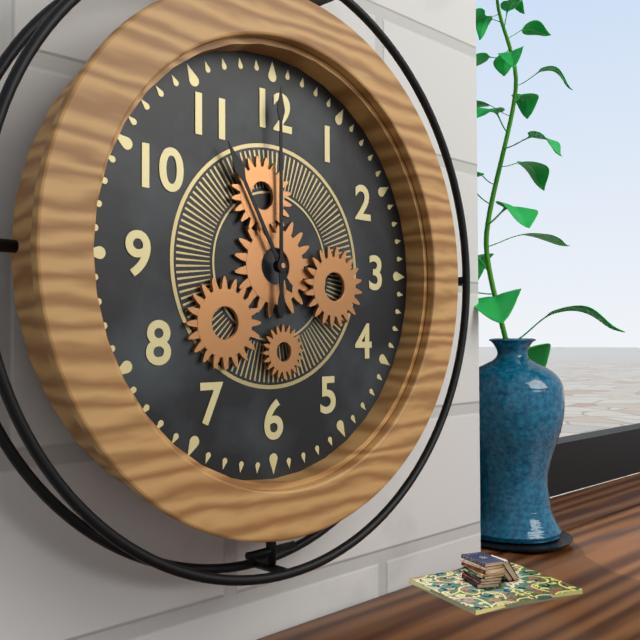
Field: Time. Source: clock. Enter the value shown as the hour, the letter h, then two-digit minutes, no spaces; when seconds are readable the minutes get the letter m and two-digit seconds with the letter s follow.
11h00
